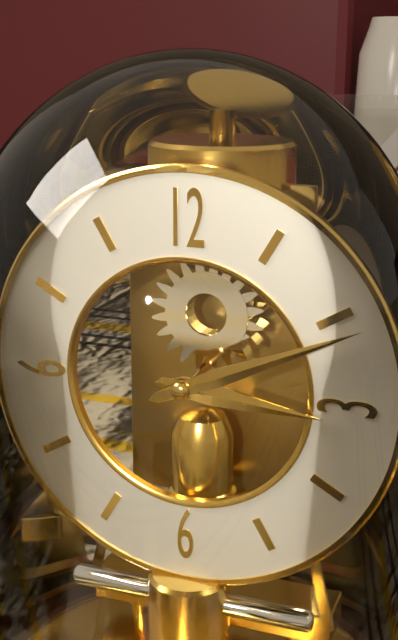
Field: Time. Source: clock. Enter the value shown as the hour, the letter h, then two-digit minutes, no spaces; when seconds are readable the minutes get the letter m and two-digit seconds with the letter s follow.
3h11
